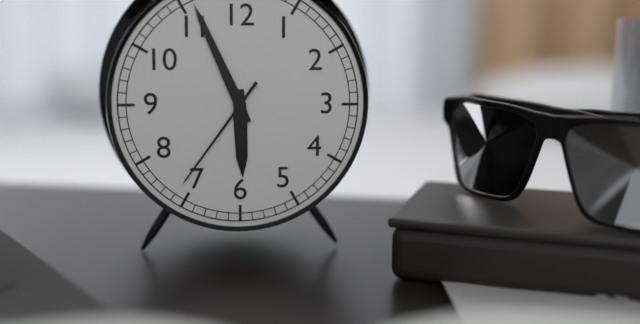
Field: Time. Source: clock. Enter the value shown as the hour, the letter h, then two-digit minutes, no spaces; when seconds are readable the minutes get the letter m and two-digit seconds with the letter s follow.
5h56m36s
